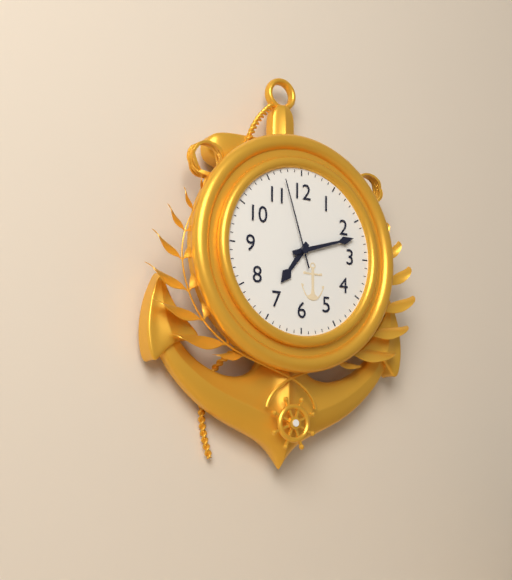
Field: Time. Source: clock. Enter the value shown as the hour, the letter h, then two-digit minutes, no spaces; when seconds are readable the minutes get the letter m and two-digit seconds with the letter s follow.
7h12m57s
